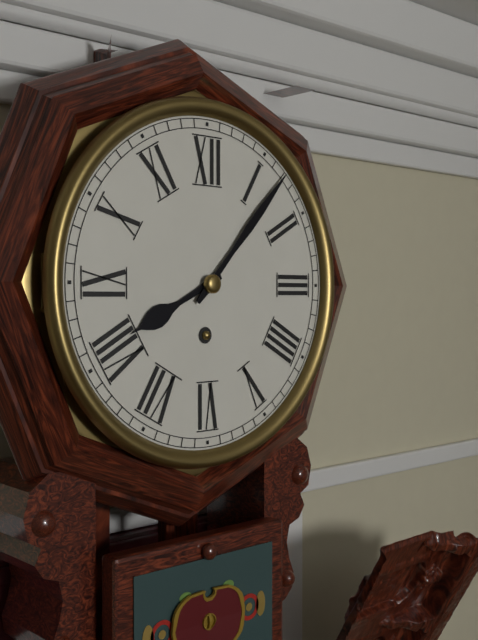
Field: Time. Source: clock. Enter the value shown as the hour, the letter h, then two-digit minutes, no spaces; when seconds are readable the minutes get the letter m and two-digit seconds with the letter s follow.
8h07
